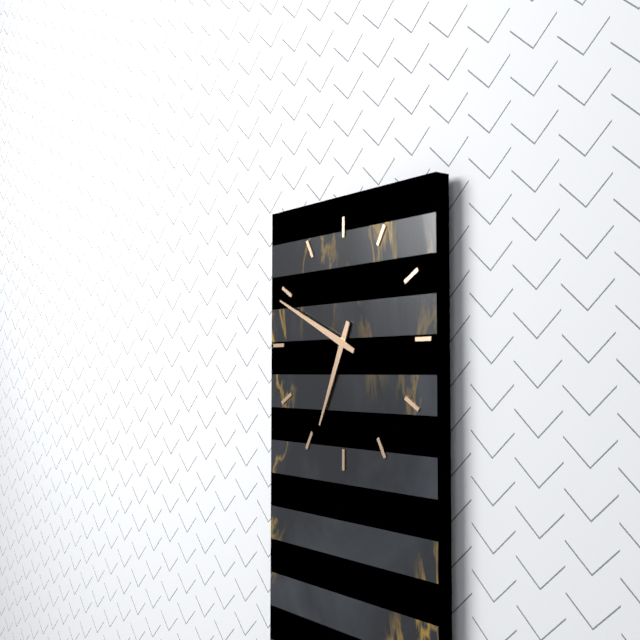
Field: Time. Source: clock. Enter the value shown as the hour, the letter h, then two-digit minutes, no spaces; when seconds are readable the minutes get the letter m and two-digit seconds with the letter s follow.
6h49
